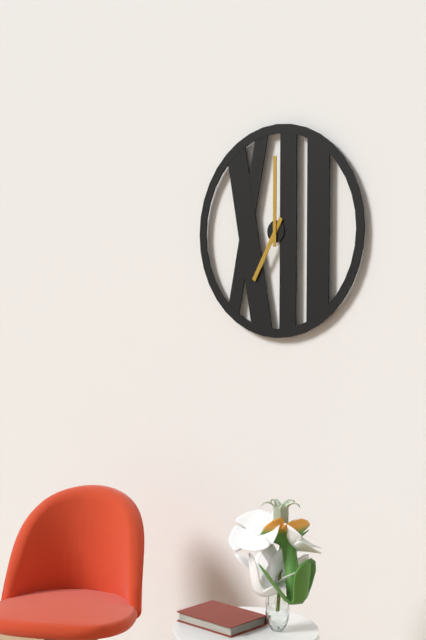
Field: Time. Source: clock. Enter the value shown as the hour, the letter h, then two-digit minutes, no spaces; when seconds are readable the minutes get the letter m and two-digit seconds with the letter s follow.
7h00
